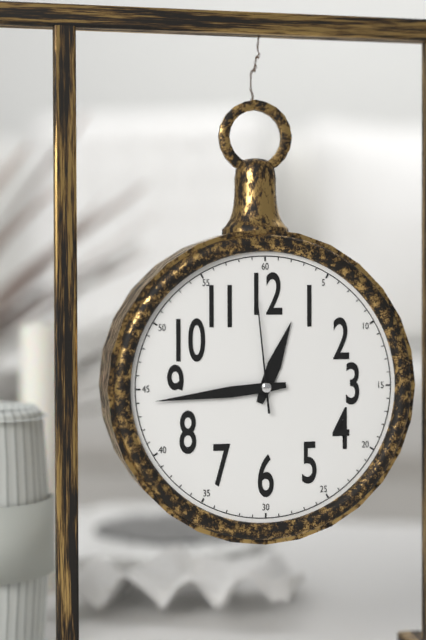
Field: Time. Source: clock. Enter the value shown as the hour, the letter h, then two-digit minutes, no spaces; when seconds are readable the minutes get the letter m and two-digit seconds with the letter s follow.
12h44m59s
